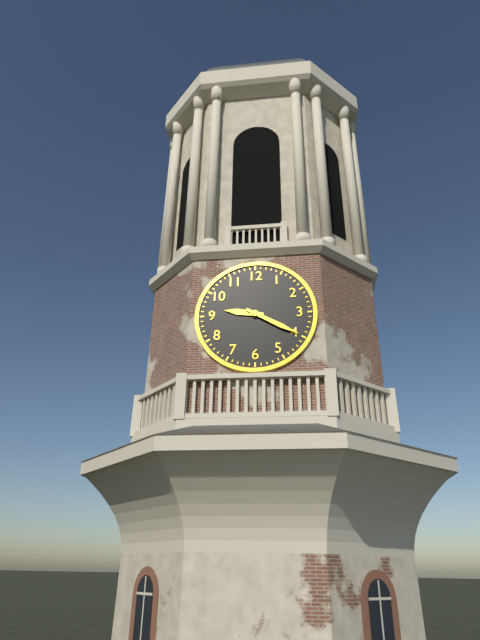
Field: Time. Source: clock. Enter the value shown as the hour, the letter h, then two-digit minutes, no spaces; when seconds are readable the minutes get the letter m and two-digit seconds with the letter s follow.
9h20
